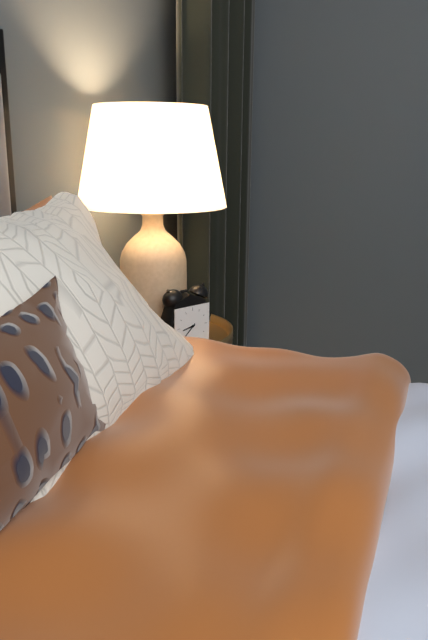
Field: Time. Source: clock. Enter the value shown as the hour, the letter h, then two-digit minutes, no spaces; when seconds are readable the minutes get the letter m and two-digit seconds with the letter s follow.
8h38
